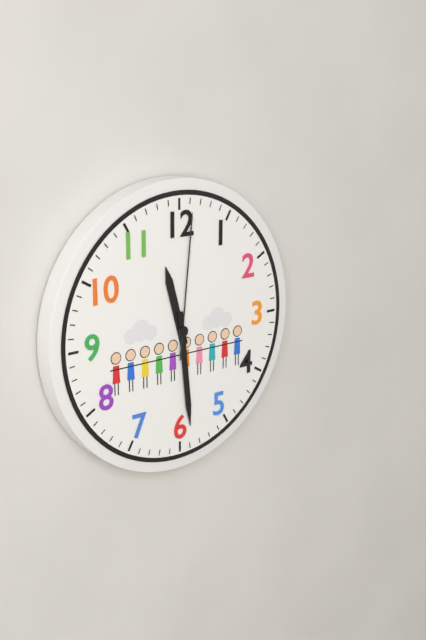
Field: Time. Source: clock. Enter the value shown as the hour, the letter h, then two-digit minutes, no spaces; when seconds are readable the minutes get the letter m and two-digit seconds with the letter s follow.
11h29m01s
